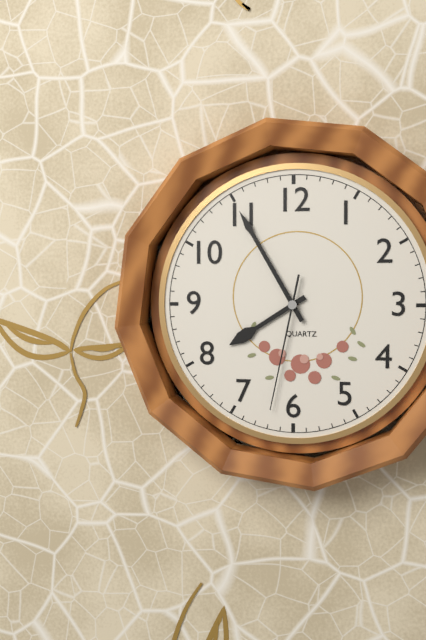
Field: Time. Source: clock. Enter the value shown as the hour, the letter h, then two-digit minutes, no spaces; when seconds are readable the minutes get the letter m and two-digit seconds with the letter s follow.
7h55m32s
